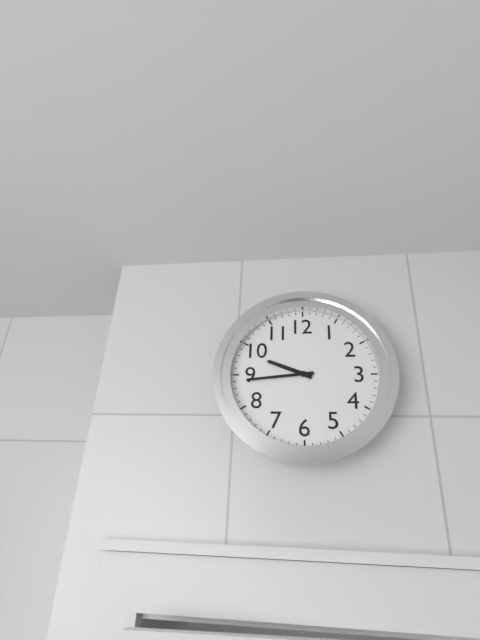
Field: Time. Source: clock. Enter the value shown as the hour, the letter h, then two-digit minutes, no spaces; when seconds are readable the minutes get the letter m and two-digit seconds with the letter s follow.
9h44
